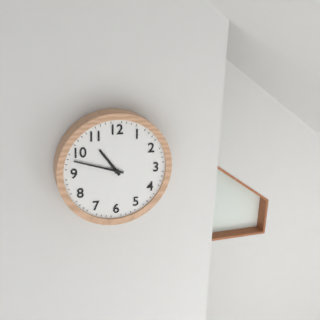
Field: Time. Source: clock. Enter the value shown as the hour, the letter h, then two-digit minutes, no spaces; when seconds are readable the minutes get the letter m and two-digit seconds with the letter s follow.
10h48
